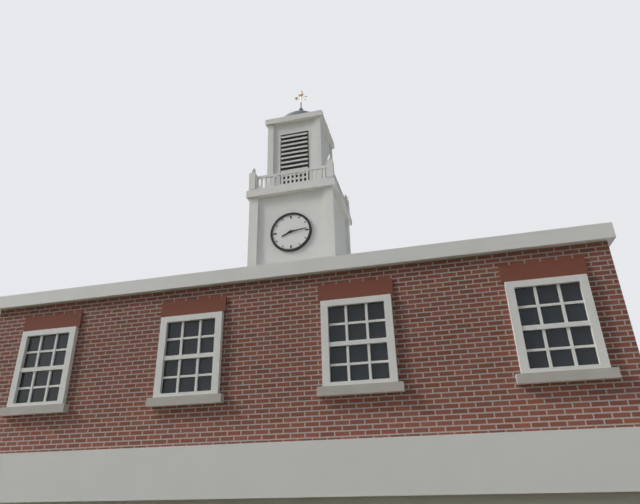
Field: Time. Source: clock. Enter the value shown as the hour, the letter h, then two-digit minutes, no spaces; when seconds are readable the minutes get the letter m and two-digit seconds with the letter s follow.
8h14
